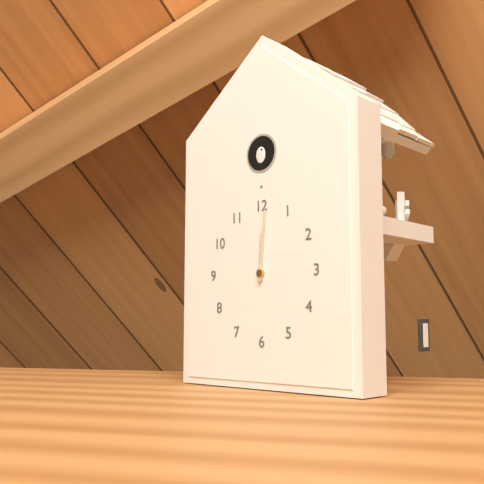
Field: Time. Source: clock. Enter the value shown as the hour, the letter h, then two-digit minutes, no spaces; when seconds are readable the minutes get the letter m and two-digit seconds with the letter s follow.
12h01
